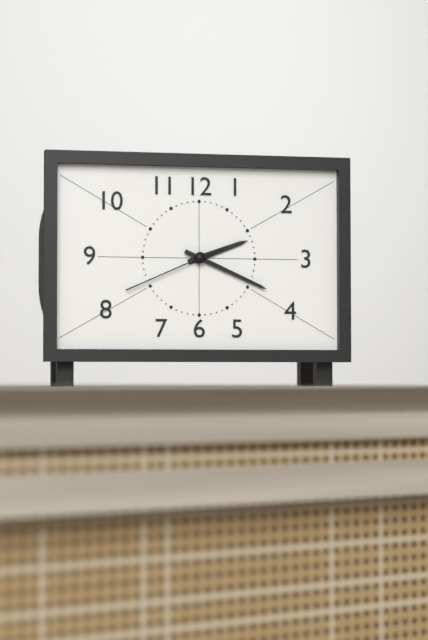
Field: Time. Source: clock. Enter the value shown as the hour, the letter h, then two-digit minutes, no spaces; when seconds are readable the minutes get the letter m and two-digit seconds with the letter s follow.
2h19m41s
